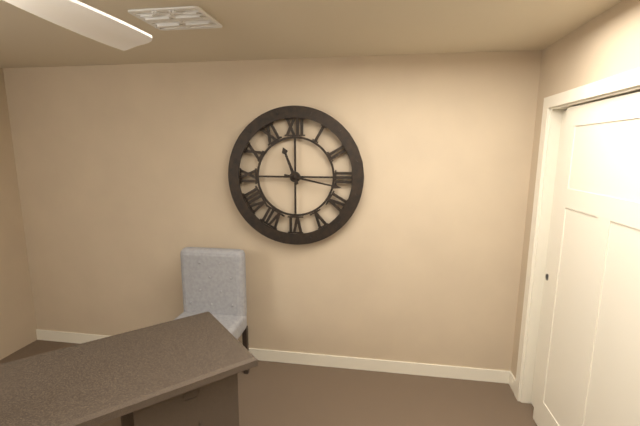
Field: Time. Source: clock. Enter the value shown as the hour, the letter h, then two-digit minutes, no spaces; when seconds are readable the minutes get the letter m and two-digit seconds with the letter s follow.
11h17
